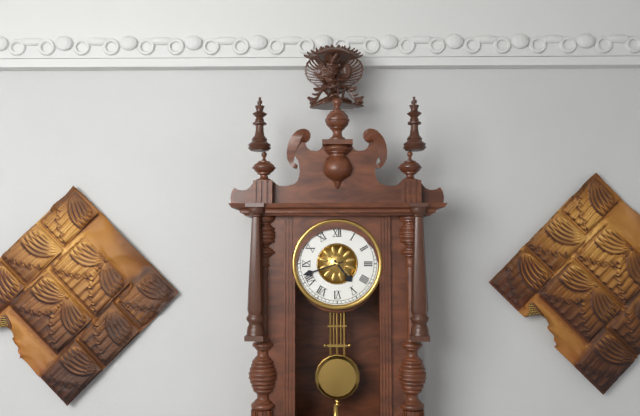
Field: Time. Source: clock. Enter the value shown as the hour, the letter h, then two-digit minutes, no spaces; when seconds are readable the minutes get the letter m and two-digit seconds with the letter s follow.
4h42
